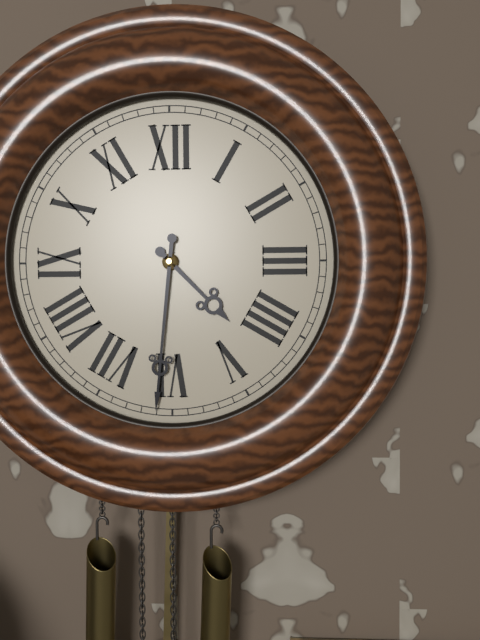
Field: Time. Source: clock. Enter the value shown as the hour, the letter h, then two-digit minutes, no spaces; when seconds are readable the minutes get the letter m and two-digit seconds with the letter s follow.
4h31
